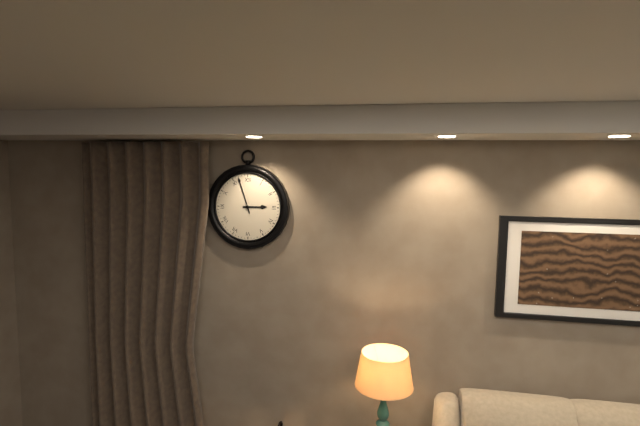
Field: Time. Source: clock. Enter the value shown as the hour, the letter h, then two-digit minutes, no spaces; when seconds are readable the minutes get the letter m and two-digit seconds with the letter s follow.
2h57
